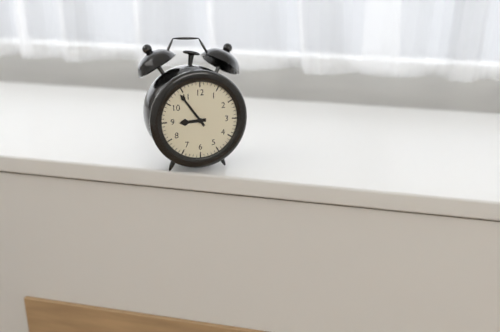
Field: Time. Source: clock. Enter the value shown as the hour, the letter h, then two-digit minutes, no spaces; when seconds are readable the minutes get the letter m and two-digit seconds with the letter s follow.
8h54
